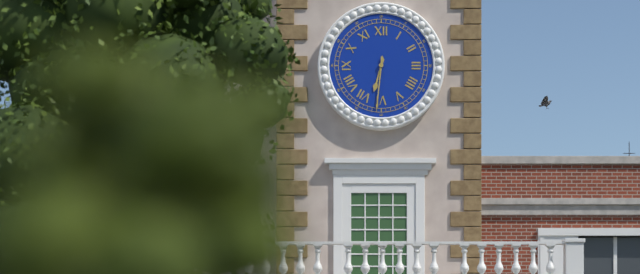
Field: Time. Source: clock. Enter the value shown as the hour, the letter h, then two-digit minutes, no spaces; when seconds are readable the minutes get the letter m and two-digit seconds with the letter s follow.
6h31
